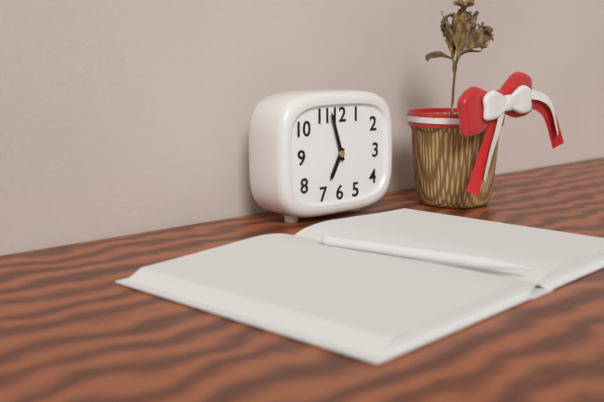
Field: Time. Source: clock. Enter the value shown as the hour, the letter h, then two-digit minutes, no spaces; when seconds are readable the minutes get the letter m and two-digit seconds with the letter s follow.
6h57
